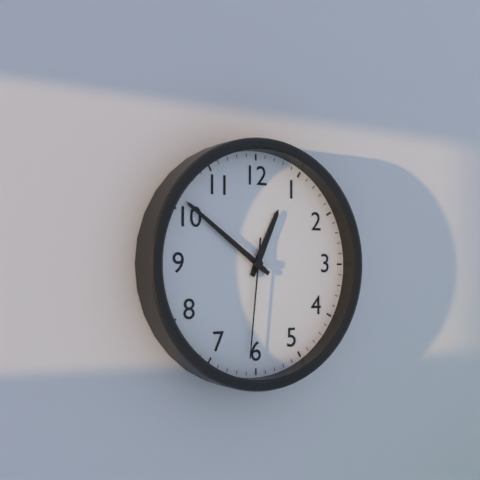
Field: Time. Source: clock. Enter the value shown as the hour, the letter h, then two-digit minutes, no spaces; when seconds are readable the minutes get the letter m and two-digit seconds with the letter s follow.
12h51m31s
